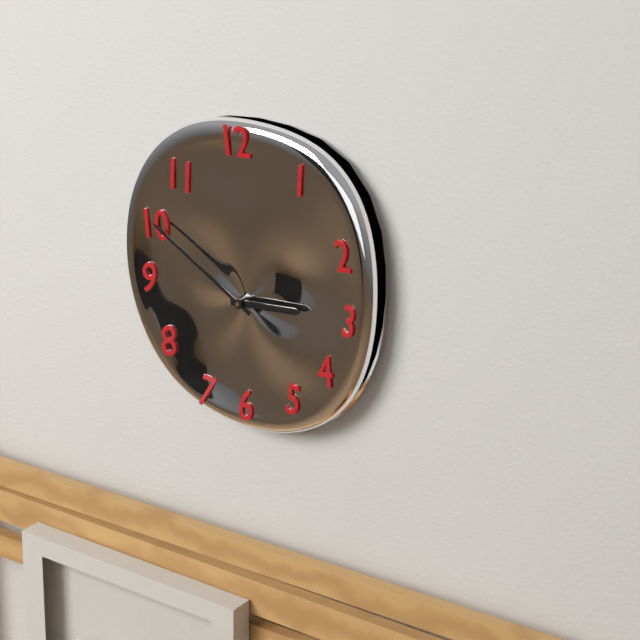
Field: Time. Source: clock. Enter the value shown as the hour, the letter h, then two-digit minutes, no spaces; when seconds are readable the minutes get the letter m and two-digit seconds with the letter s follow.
2h50
